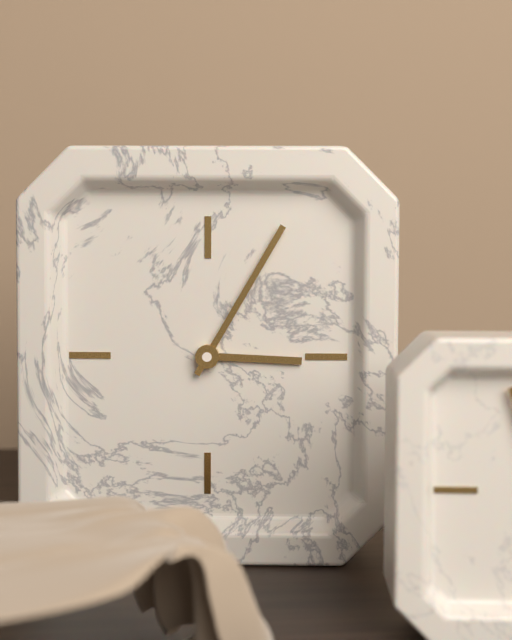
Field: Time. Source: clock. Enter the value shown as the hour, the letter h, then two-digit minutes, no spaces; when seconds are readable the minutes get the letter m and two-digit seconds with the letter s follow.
3h05
